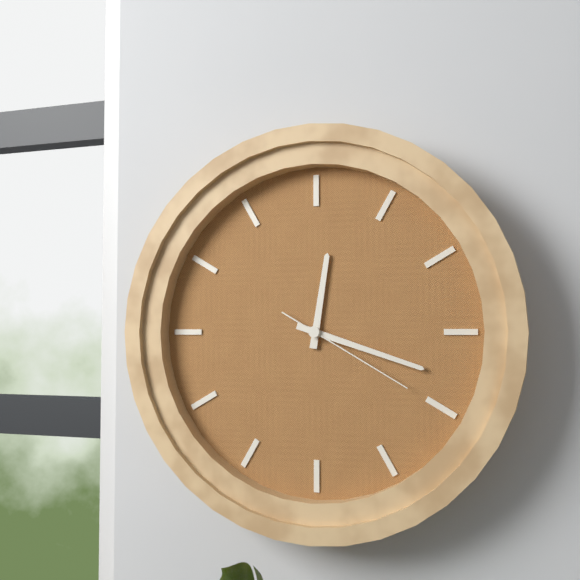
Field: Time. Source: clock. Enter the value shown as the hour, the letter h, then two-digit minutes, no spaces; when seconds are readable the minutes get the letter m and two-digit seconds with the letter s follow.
12h18m20s
